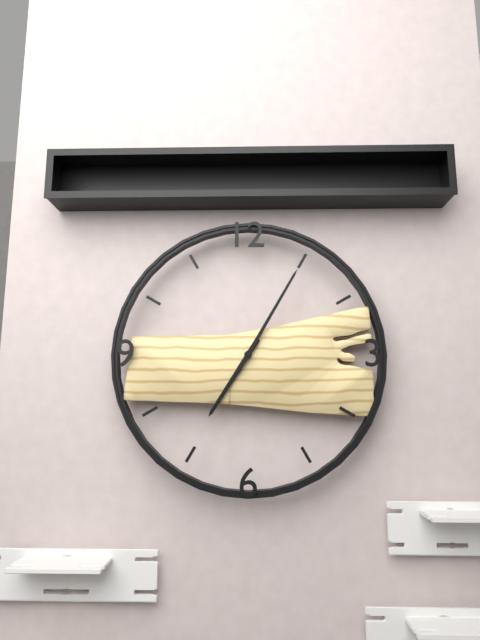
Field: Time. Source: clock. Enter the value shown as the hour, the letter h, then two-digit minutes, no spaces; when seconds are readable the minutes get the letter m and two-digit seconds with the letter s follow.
7h05
